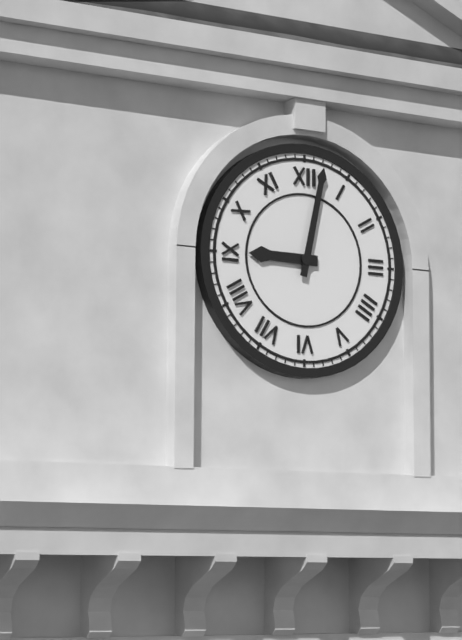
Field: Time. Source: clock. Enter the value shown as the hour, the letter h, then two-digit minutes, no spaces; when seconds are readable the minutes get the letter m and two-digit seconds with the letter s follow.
9h02
